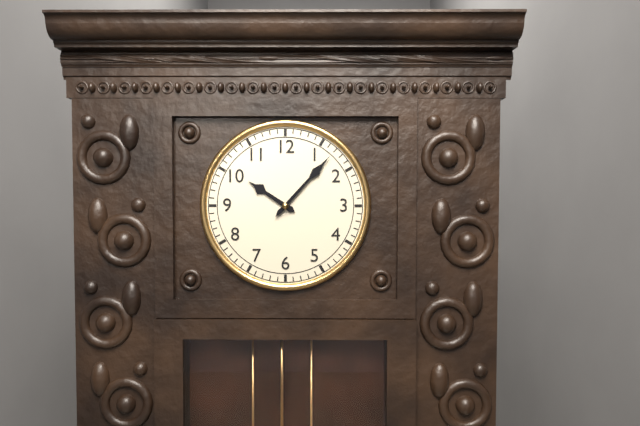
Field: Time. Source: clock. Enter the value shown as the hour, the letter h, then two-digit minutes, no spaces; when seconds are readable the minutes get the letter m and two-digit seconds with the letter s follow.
10h07
